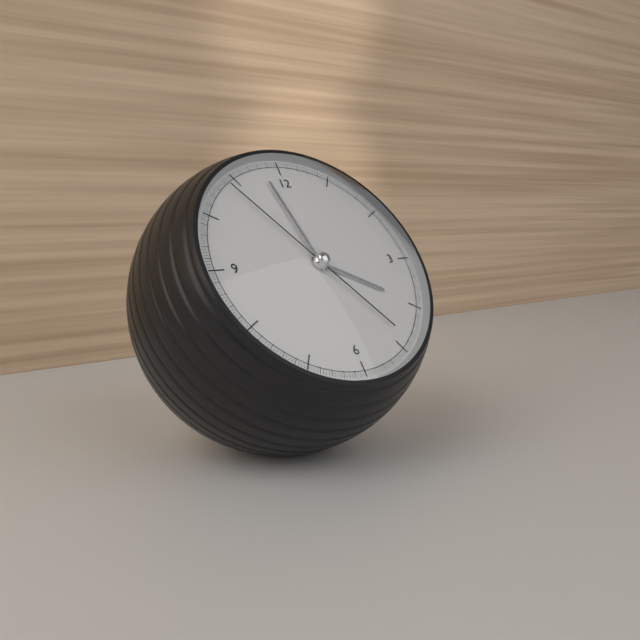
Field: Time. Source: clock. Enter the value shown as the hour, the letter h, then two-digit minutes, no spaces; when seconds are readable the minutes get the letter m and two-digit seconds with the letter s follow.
3h58m54s
